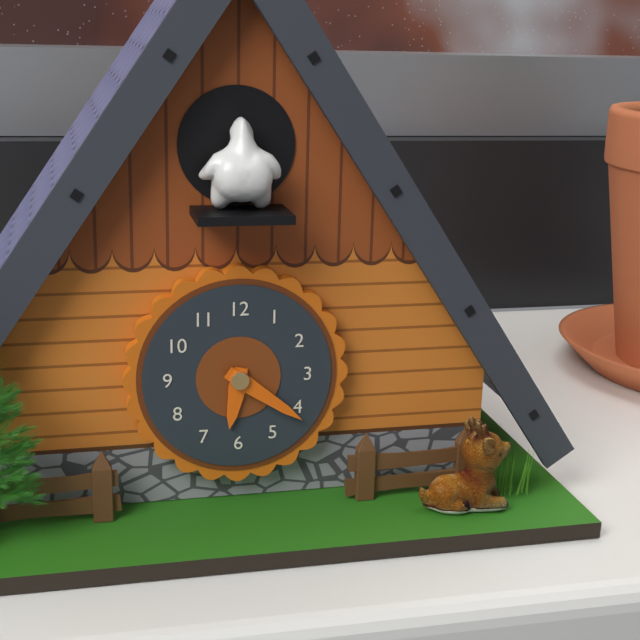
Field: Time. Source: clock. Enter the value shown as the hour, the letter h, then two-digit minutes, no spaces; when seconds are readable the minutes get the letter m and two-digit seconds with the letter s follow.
6h21
